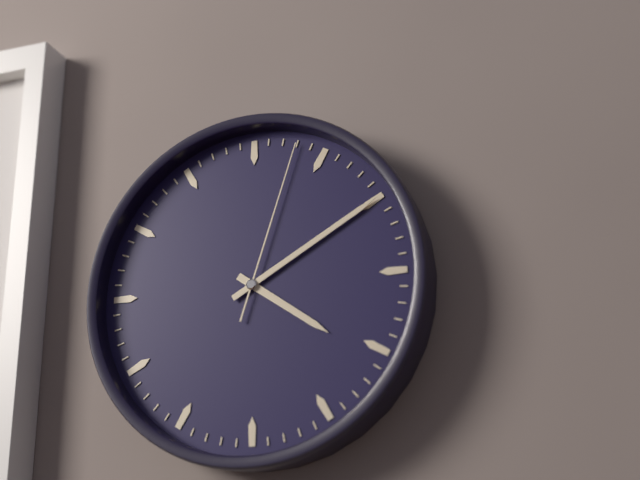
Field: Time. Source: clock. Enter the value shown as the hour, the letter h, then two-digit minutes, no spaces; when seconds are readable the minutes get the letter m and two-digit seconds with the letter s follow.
4h10m03s
